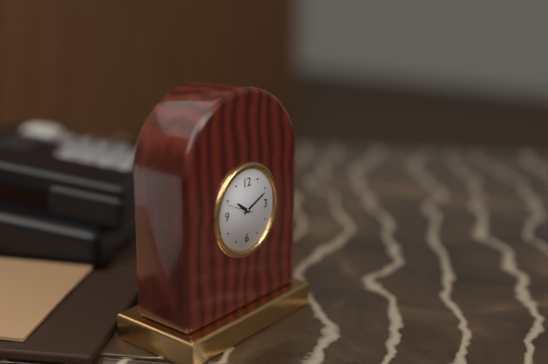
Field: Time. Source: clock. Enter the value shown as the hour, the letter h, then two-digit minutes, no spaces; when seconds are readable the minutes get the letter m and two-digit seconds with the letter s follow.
10h11
